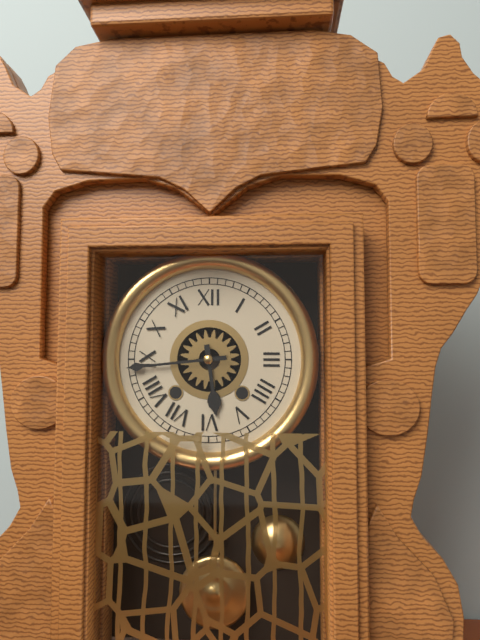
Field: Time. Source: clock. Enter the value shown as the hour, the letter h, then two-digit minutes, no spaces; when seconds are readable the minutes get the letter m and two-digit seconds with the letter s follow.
5h44
